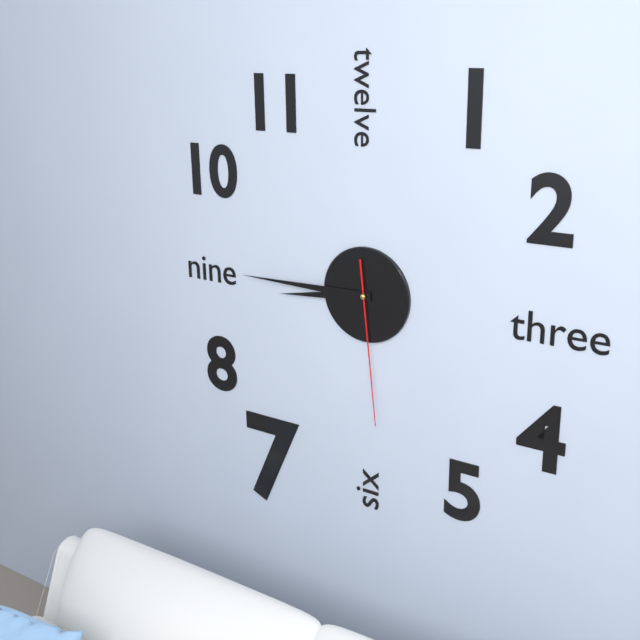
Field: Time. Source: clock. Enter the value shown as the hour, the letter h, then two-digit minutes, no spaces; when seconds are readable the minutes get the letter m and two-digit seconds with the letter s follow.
8h45m29s
